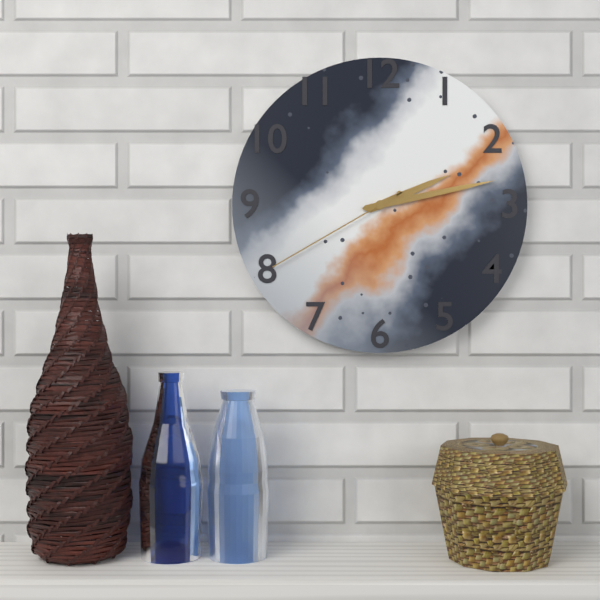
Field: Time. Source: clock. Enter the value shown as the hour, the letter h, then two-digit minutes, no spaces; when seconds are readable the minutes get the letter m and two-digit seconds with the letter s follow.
2h13m40s
